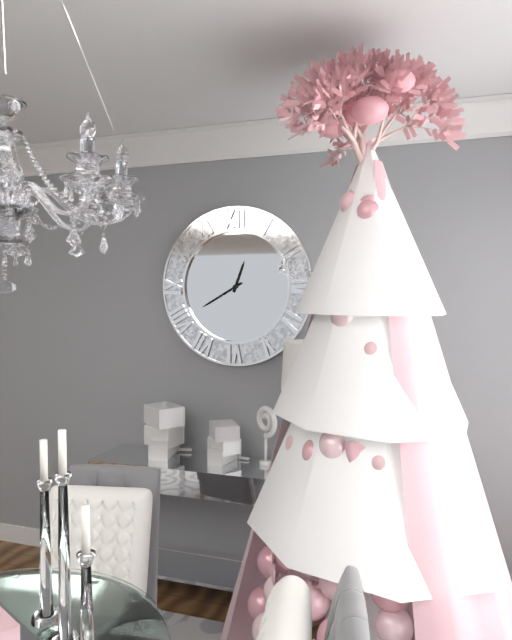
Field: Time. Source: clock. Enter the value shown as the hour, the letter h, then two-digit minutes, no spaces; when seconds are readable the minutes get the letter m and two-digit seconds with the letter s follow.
12h40
